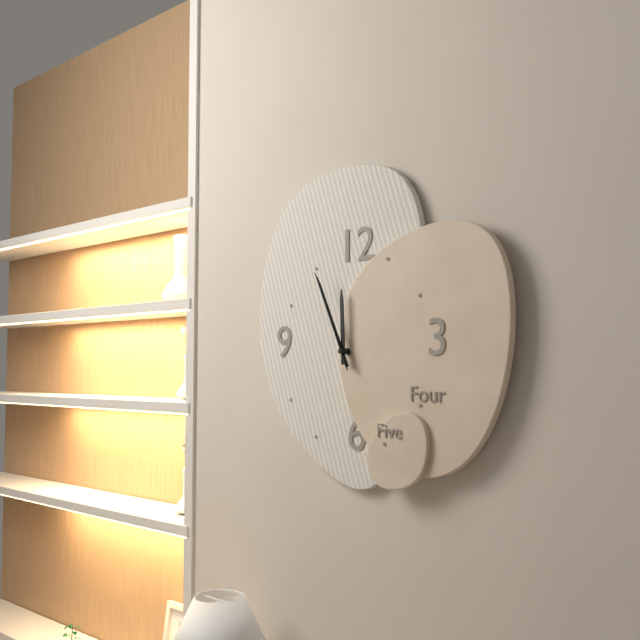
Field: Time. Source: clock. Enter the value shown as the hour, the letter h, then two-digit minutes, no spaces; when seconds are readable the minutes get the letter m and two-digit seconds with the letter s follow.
11h56m56s
